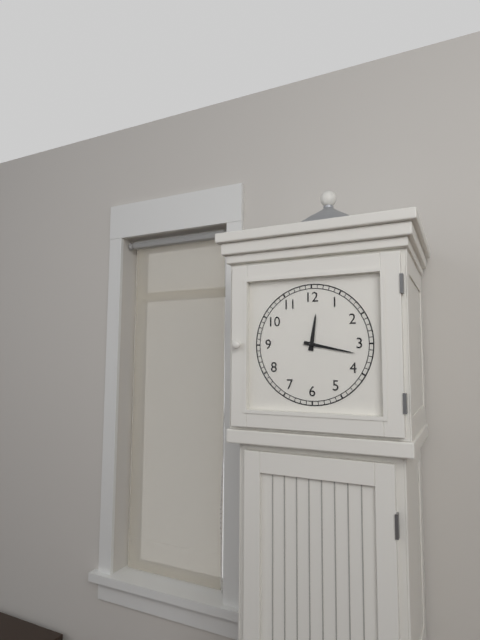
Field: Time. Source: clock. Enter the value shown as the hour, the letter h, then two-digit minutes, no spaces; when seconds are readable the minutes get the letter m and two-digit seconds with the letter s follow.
12h17
